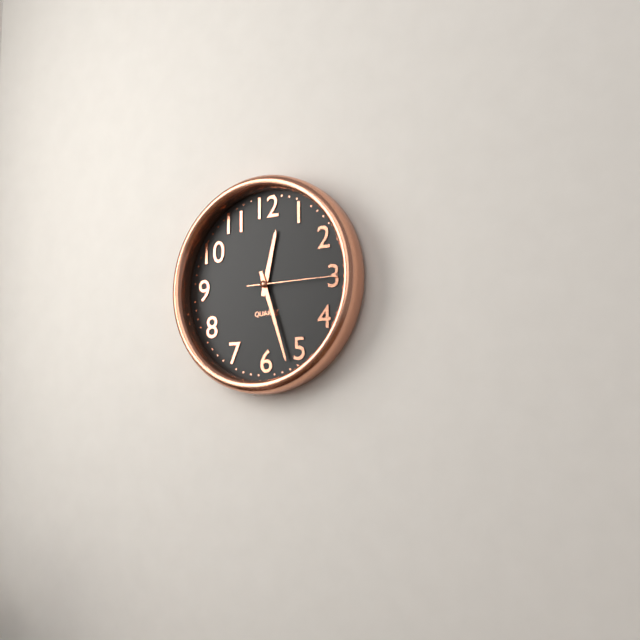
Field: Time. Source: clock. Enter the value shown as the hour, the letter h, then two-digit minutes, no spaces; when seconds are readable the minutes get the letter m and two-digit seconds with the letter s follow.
12h27m15s
